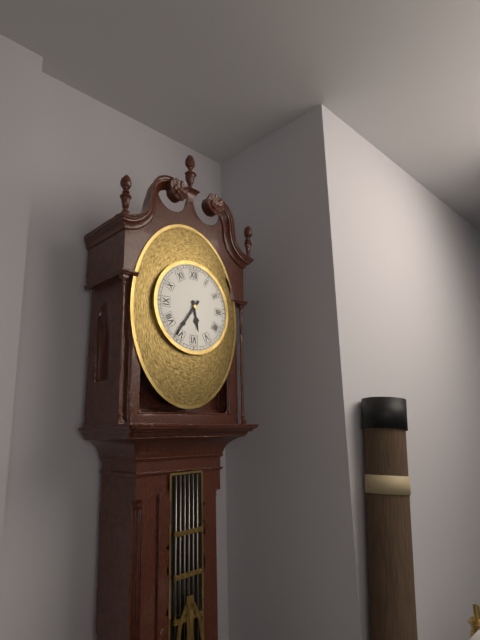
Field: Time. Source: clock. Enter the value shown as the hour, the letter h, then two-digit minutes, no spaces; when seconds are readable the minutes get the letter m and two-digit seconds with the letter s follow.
5h36
